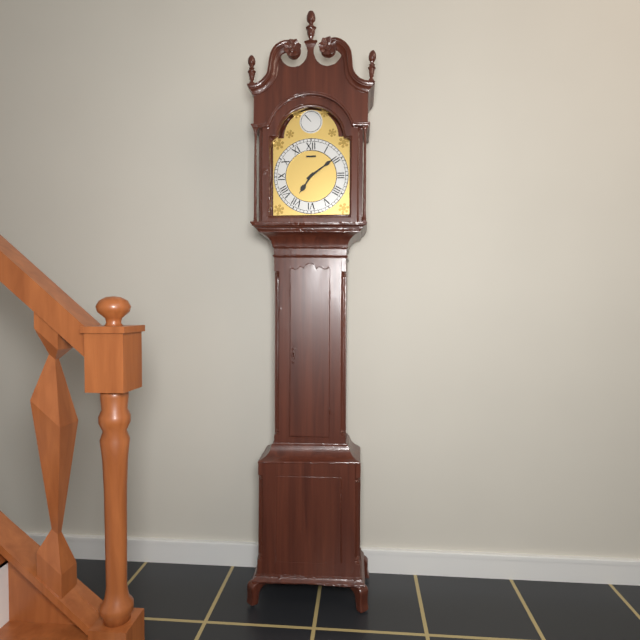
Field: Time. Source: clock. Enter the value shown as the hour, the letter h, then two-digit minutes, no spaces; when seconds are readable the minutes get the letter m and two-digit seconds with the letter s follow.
7h09
